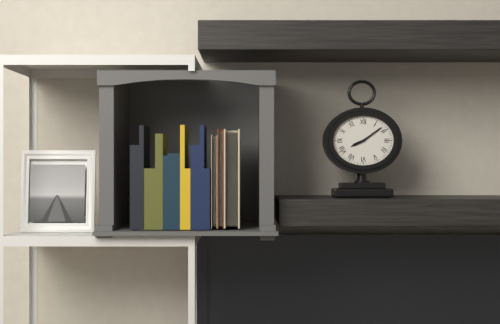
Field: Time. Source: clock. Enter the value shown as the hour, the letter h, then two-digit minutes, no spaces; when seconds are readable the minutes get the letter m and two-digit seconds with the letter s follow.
8h09
